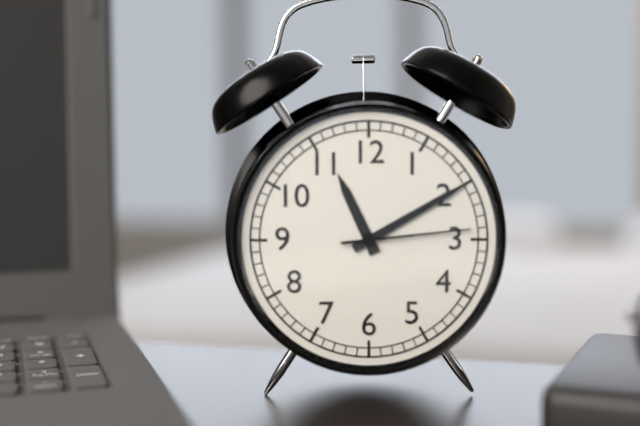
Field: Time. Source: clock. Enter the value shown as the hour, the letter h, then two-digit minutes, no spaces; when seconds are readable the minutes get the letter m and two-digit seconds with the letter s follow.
11h10m14s
